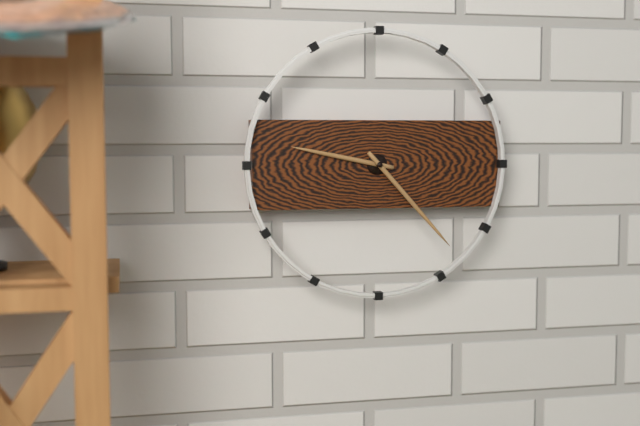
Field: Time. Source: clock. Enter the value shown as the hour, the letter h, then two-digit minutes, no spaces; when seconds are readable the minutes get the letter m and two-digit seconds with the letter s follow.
9h23
